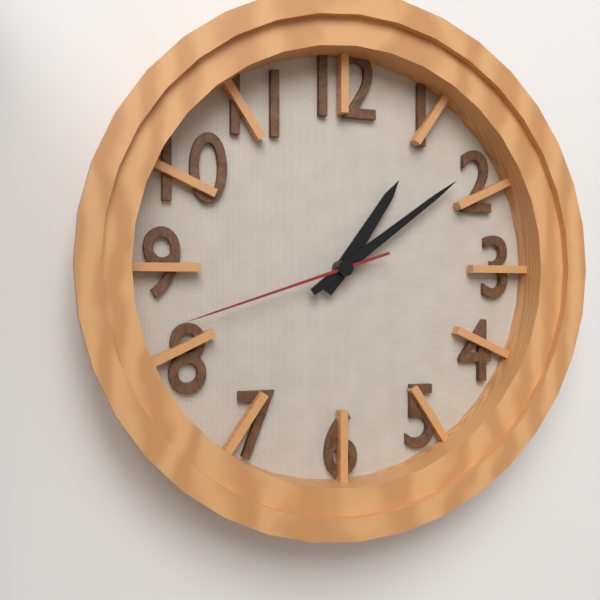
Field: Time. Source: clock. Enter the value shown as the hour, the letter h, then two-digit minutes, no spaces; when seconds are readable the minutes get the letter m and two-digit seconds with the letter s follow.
1h09m42s
